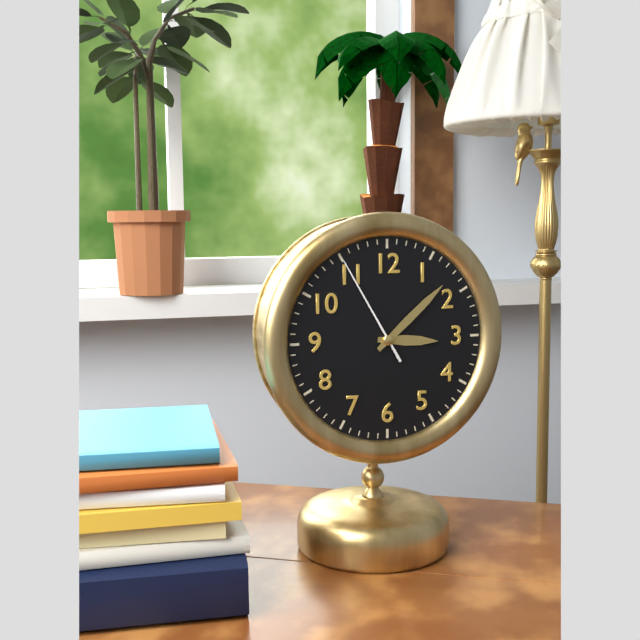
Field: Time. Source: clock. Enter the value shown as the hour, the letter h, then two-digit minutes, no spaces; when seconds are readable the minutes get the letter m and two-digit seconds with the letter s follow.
3h08m55s
